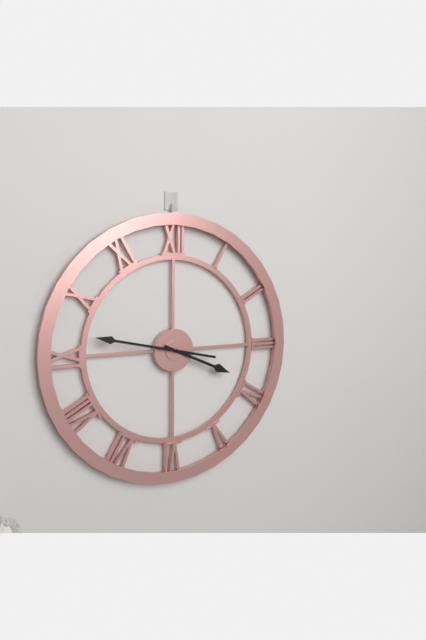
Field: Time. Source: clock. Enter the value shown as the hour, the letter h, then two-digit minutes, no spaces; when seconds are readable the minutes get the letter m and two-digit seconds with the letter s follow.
3h47
